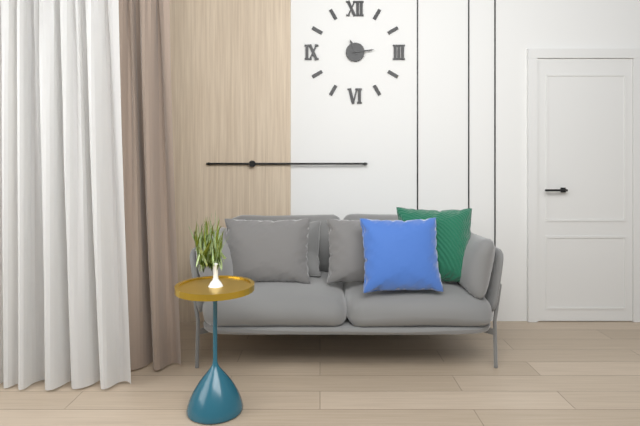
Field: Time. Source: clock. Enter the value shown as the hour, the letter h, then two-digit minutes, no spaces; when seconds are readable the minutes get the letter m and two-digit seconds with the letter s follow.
11h14
